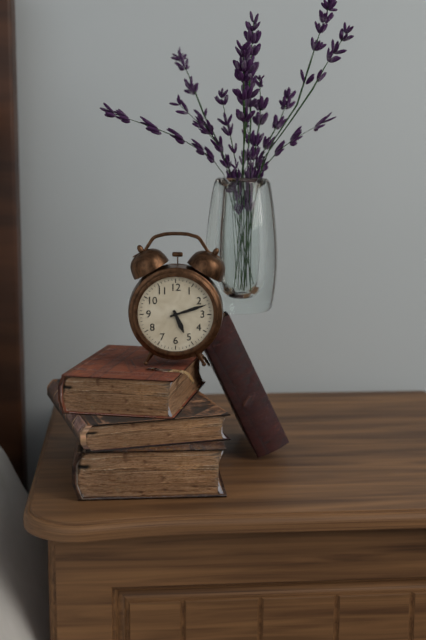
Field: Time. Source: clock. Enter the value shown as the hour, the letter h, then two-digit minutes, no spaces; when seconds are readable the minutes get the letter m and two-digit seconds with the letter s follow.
5h12
